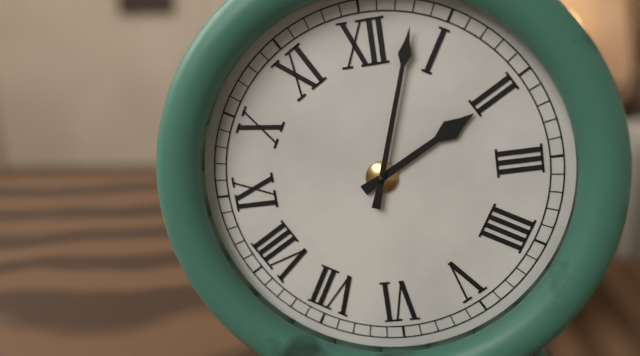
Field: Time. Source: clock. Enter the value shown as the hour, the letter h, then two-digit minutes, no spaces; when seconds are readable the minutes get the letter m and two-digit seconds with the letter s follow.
2h03
